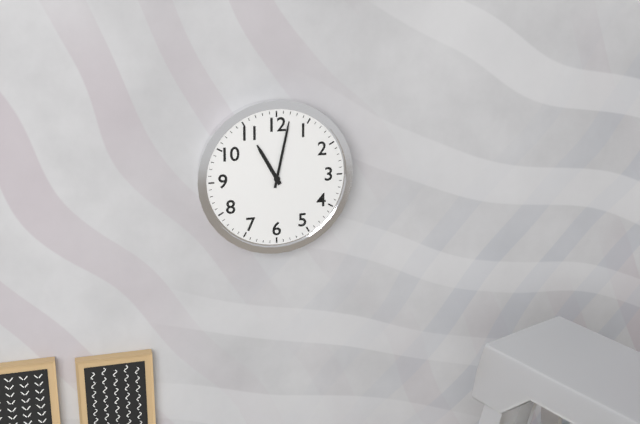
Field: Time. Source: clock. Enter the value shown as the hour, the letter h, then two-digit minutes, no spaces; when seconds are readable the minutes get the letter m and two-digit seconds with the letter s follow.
11h02
